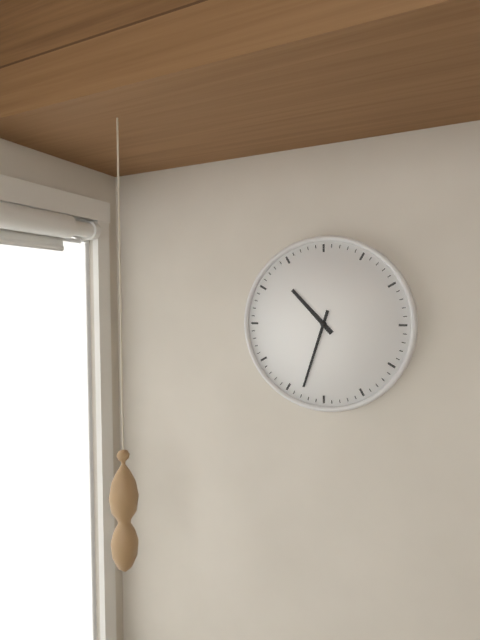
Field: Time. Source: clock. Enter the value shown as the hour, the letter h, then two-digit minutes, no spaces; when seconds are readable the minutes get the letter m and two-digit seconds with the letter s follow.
10h33
